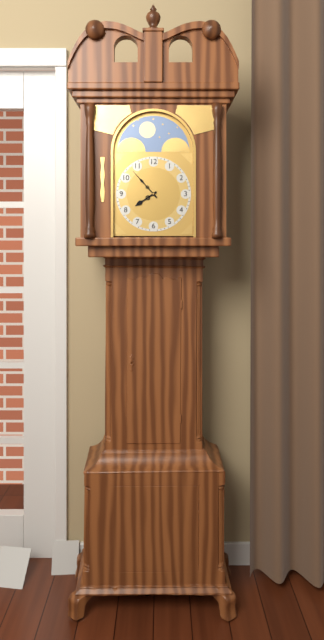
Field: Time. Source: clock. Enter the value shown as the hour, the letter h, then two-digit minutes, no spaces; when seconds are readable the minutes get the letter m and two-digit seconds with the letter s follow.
7h53
